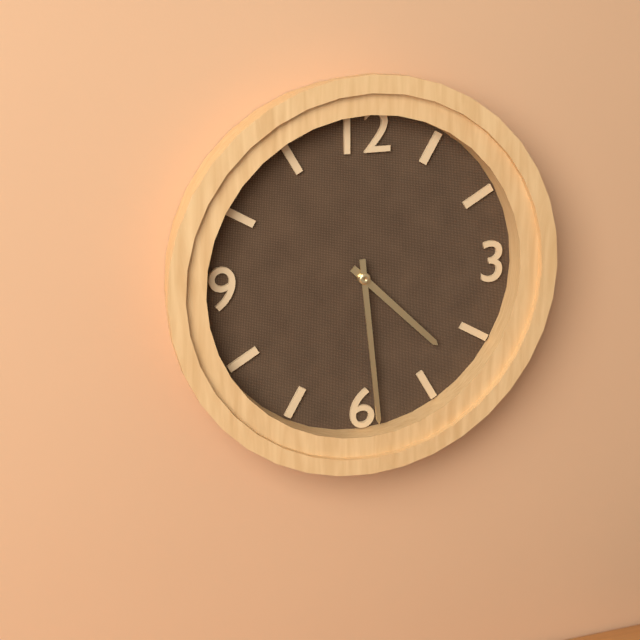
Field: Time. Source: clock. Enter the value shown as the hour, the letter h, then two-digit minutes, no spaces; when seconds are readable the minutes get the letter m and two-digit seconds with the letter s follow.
4h29
